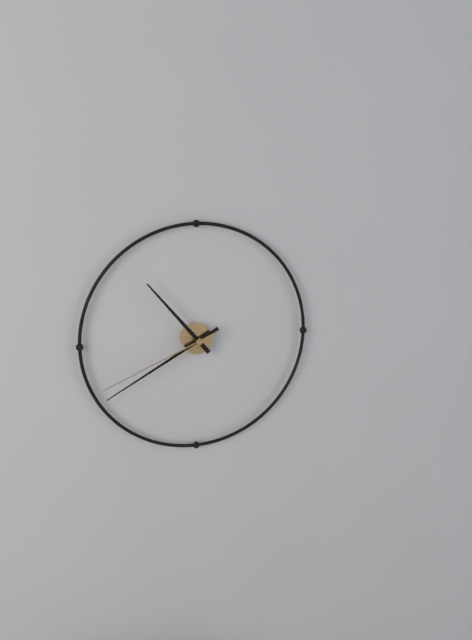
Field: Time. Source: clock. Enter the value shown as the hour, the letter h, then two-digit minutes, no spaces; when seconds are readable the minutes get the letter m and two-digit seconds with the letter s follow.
10h40m41s
